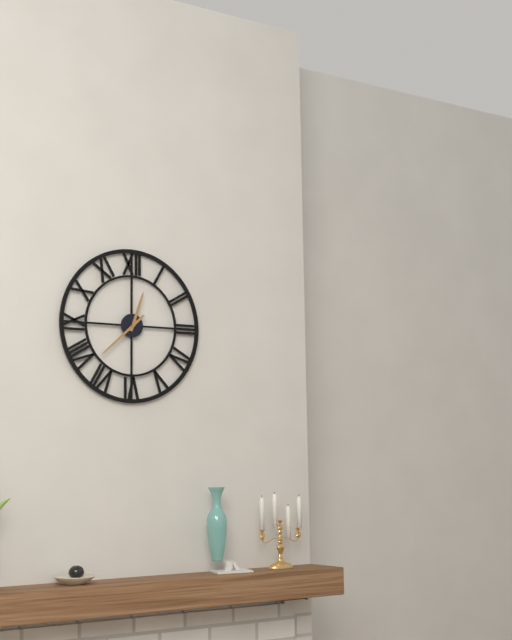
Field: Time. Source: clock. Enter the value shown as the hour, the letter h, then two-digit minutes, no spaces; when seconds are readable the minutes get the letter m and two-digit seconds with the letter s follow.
12h38
